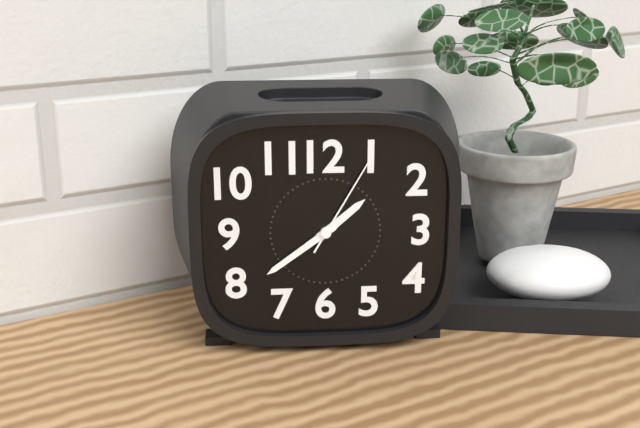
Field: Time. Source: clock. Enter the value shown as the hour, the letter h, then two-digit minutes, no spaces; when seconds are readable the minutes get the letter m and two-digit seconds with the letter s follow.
1h39m05s
